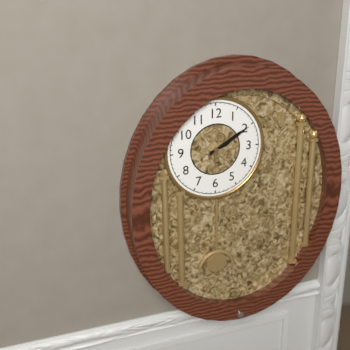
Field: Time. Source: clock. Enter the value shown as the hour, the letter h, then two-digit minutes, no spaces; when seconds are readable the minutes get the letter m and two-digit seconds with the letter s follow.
2h10
